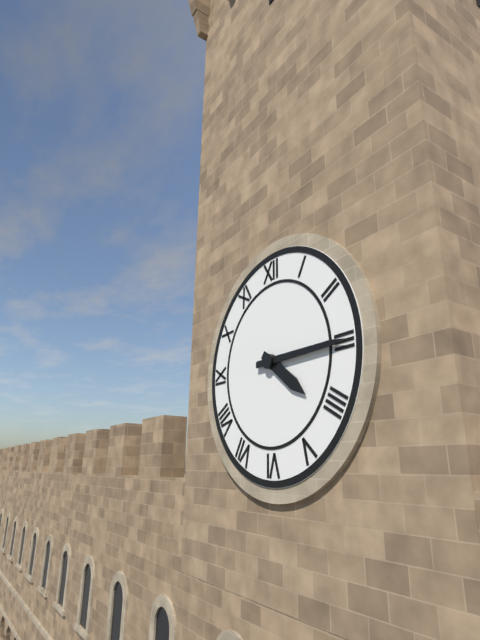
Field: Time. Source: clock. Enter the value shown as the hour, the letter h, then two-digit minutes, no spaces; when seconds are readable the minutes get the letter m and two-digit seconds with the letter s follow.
4h15
